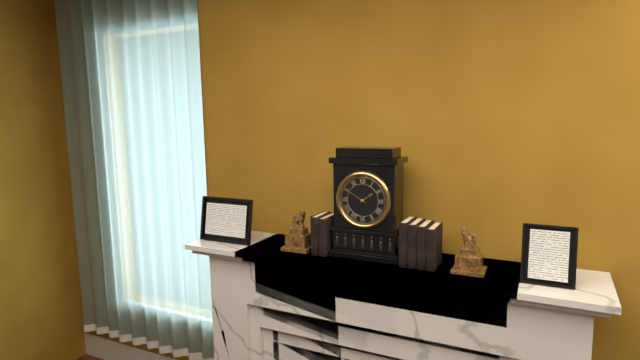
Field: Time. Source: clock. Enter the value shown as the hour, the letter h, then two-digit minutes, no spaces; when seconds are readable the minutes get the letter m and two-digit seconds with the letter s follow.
1h50
